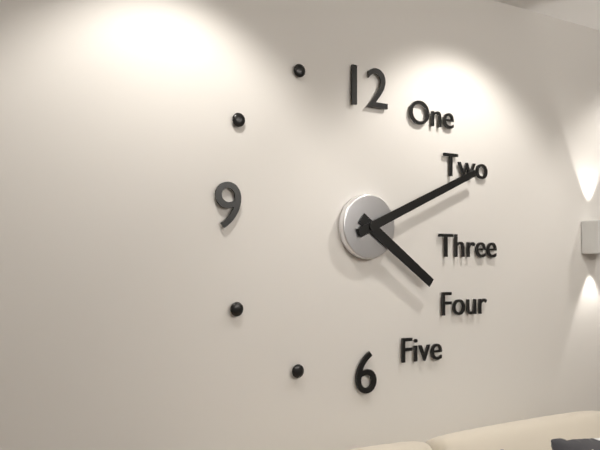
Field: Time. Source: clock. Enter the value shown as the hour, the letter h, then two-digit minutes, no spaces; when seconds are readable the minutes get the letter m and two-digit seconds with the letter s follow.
4h11
